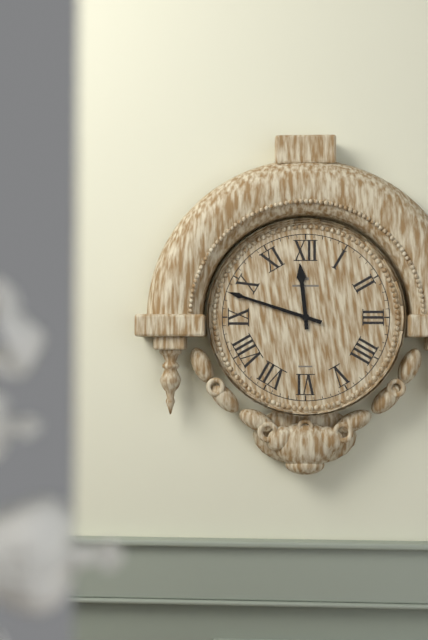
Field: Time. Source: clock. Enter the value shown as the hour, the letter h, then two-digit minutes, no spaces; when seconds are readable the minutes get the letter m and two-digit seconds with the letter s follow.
11h48
